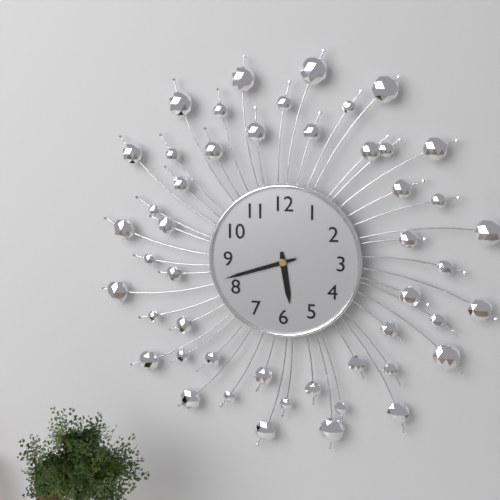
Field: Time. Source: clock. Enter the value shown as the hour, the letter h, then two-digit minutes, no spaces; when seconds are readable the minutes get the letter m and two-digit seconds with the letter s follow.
5h42
